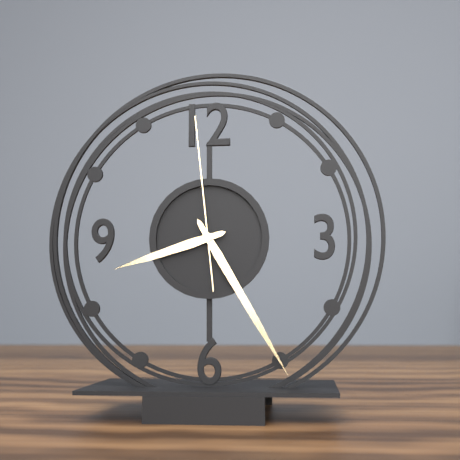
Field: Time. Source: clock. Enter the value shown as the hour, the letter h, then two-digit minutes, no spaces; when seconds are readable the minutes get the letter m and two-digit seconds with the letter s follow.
8h25m59s
